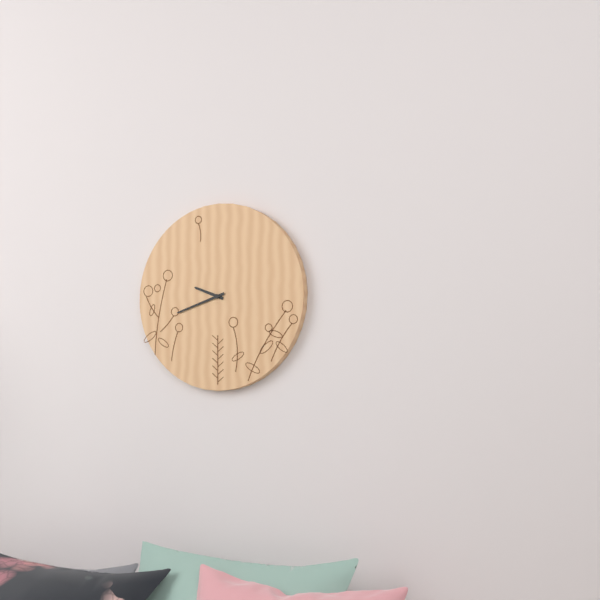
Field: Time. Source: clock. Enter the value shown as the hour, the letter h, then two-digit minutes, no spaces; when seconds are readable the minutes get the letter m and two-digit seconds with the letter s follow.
9h42
